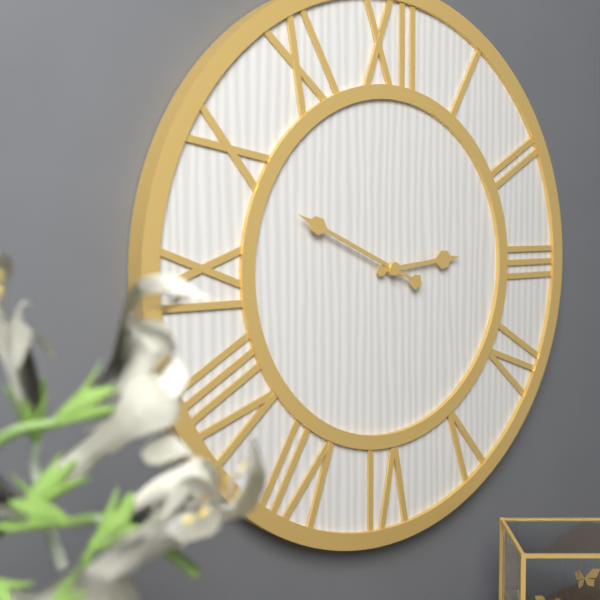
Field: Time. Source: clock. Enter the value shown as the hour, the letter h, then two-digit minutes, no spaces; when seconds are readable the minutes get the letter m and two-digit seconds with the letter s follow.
2h49
